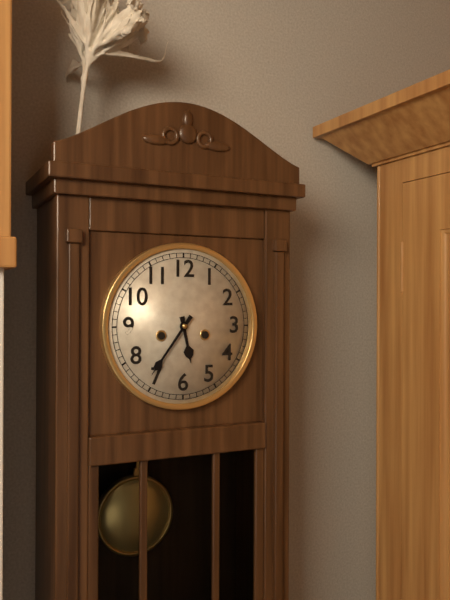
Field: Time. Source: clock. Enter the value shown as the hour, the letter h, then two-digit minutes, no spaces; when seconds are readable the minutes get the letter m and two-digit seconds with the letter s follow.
5h36
